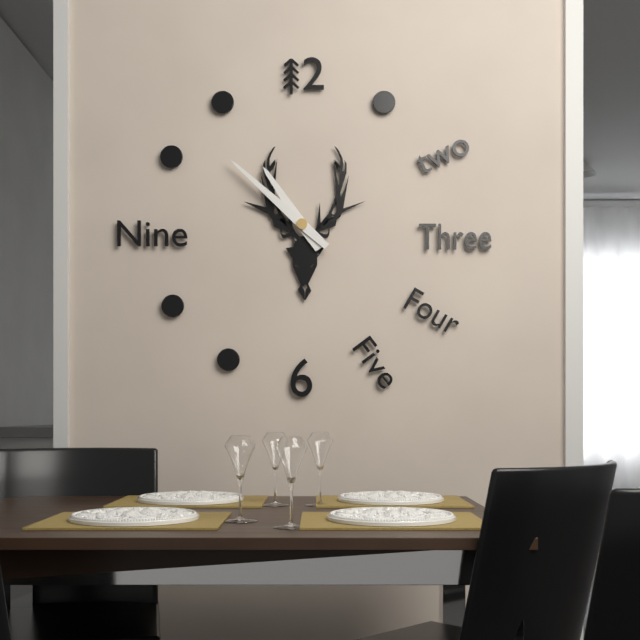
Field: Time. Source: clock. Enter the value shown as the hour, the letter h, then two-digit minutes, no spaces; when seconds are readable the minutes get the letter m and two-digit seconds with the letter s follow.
10h52
